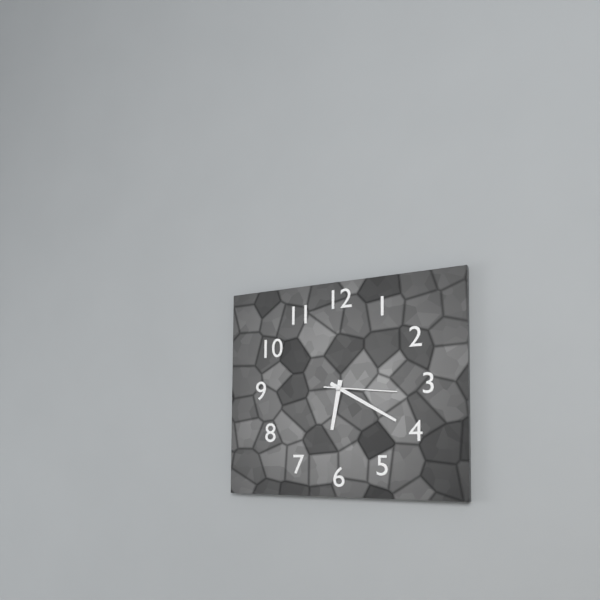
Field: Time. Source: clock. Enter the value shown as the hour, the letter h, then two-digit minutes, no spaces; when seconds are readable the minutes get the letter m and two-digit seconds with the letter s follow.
6h20m16s
